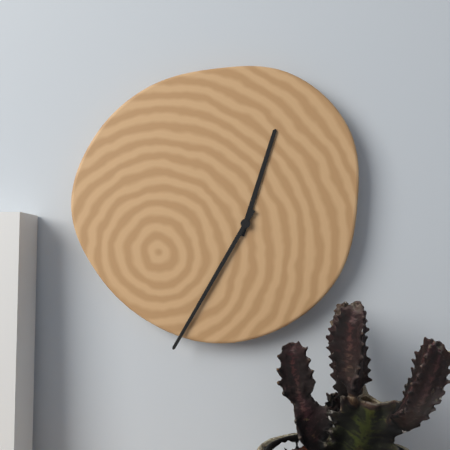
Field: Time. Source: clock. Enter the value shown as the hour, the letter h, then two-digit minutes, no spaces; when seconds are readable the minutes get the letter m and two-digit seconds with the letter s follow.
12h35
